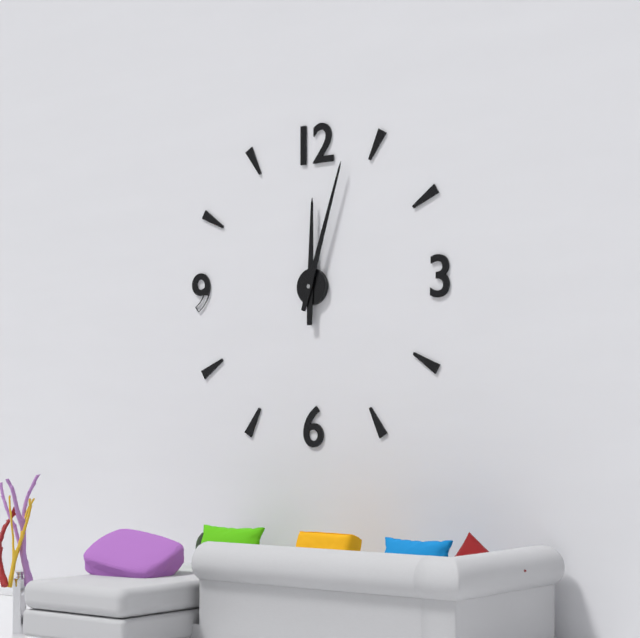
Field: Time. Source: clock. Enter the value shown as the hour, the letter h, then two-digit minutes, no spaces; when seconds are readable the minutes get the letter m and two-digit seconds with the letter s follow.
12h03
